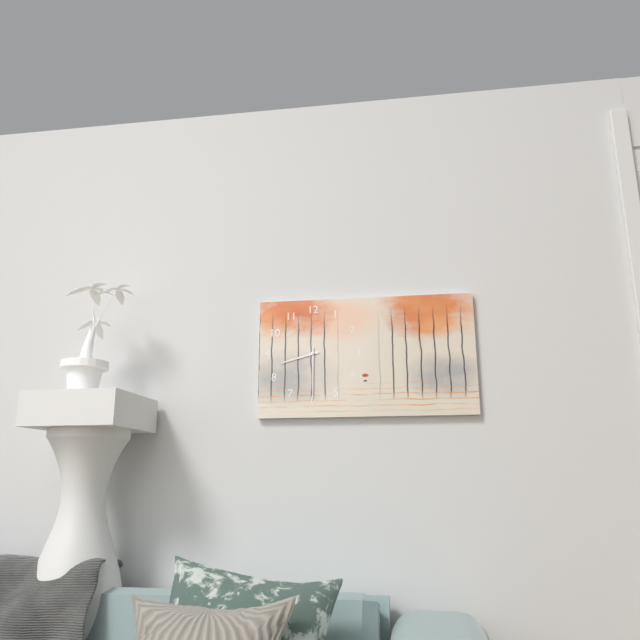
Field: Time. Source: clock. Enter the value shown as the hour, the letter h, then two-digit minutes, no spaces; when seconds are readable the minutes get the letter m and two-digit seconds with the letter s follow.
8h30
